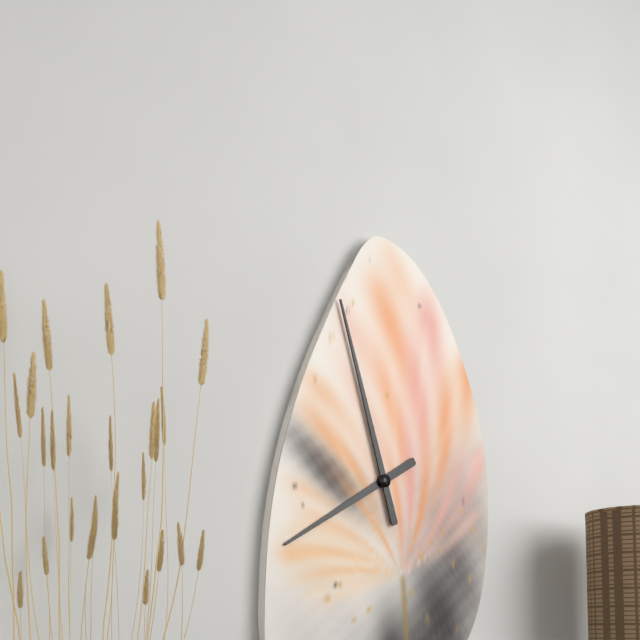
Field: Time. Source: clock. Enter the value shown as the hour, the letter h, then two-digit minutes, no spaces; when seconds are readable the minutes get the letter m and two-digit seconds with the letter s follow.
7h57
